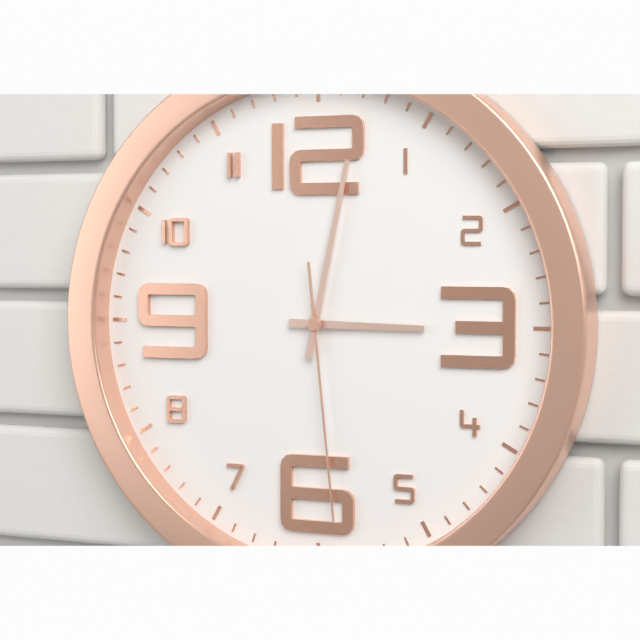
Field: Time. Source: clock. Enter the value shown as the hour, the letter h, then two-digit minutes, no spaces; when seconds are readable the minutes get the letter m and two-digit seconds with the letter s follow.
3h02m29s
